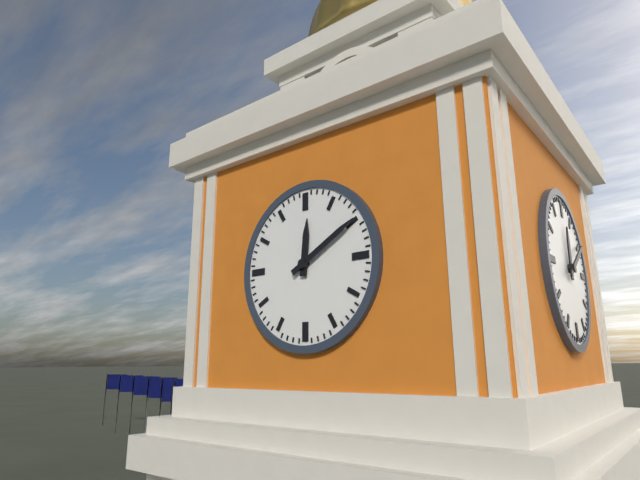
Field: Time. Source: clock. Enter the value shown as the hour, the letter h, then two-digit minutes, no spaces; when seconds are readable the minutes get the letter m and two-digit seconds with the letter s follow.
12h10
